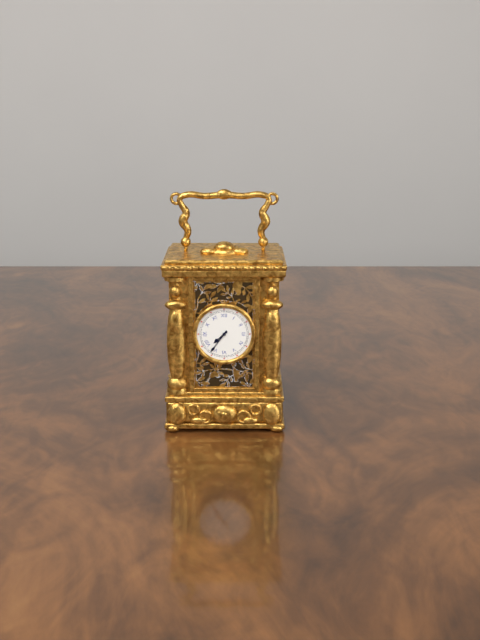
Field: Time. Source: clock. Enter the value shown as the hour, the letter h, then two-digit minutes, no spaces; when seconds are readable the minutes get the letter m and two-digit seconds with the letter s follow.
7h36
